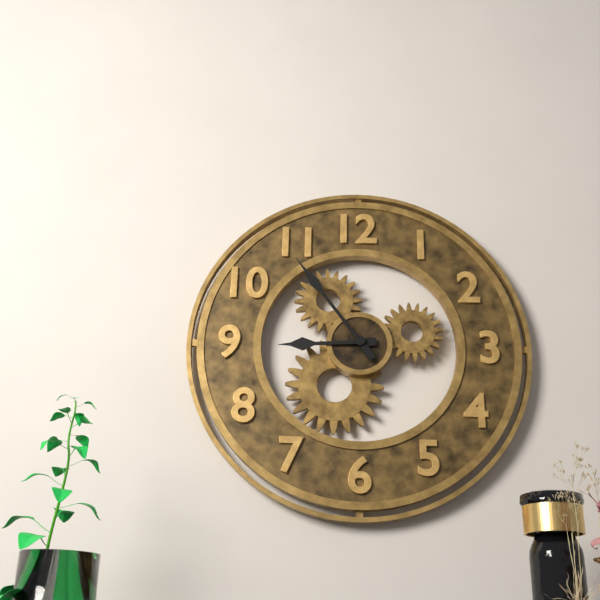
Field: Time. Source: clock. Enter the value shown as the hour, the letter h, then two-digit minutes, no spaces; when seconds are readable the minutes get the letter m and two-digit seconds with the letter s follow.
8h54
